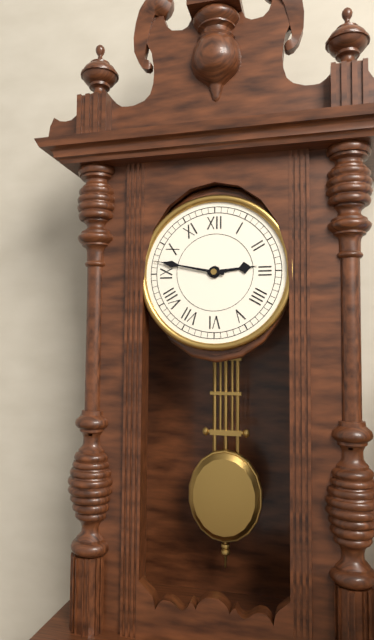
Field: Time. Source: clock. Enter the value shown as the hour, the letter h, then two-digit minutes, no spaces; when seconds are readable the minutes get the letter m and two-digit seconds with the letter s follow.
2h47
